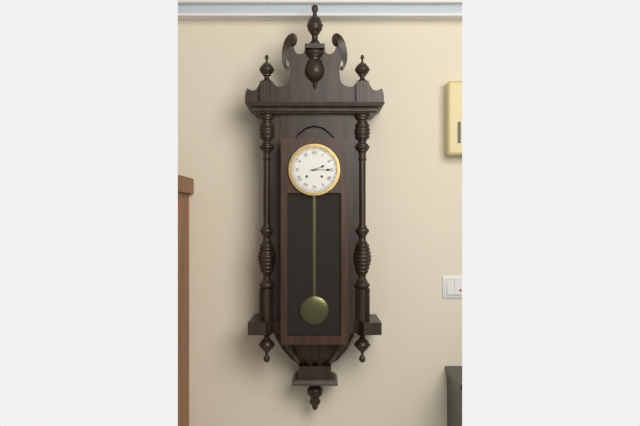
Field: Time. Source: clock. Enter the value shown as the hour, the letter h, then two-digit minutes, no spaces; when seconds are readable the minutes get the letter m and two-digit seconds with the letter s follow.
2h15
